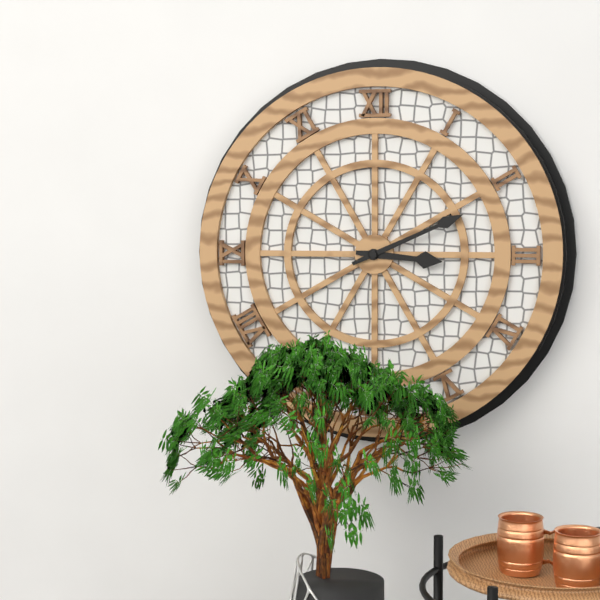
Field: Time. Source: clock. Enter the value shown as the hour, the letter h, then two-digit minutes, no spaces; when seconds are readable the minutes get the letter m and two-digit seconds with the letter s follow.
3h11
